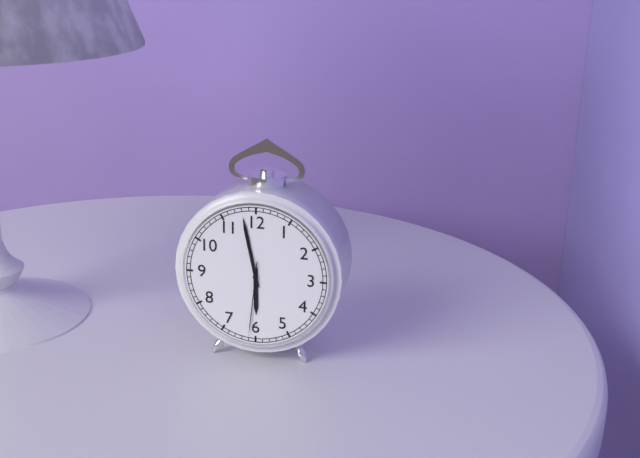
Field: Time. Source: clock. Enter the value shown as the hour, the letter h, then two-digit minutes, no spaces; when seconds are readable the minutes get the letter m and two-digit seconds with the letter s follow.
5h58m31s
